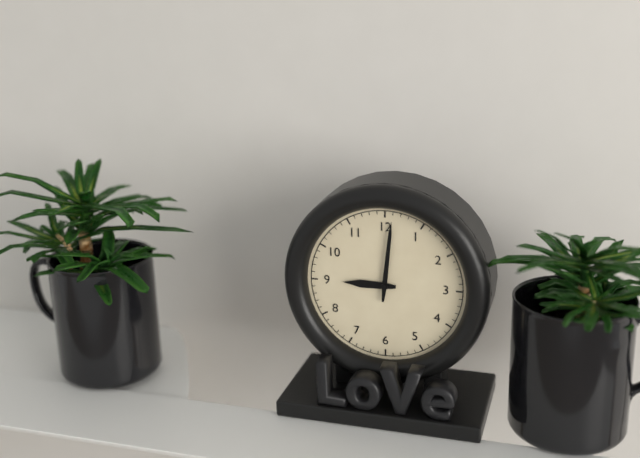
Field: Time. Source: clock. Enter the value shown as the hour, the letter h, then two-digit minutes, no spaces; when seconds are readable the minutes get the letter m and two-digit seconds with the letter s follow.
9h01
